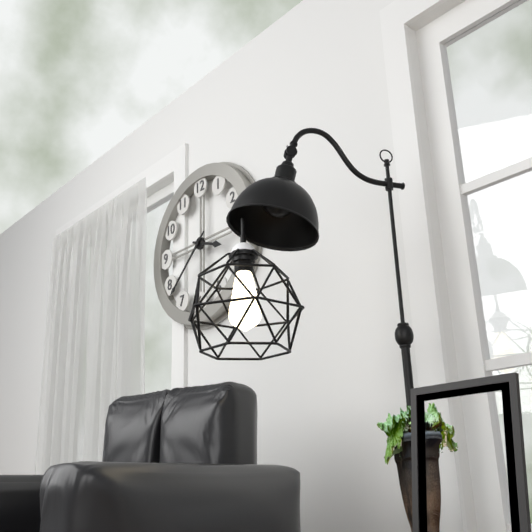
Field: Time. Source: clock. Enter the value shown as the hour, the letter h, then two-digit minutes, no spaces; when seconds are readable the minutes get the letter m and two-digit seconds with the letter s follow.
3h38
